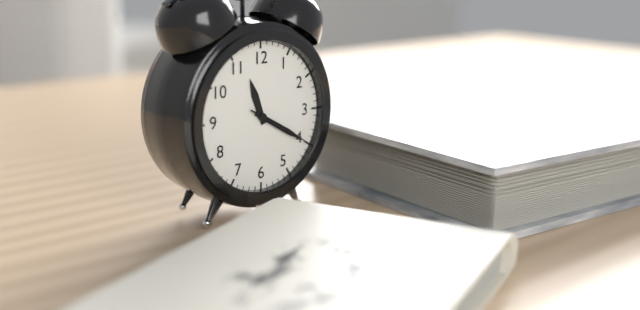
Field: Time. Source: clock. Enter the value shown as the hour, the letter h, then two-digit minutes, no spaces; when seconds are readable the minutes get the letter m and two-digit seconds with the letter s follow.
11h20m20s
